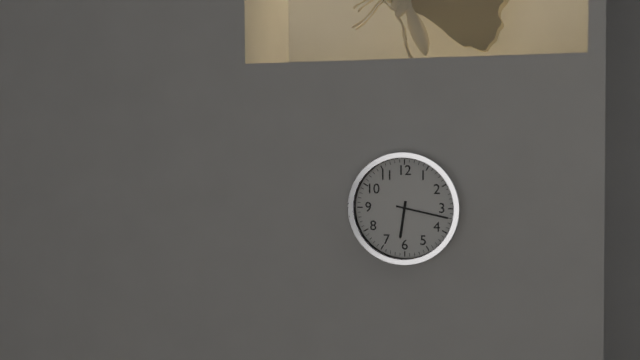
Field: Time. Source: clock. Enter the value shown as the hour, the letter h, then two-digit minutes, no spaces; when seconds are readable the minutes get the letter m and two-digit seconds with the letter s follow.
6h17
